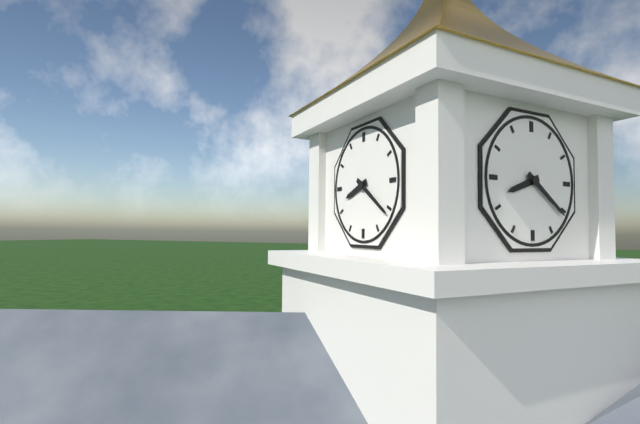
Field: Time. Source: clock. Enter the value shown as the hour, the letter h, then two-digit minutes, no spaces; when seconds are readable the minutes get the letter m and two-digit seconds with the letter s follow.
8h21
